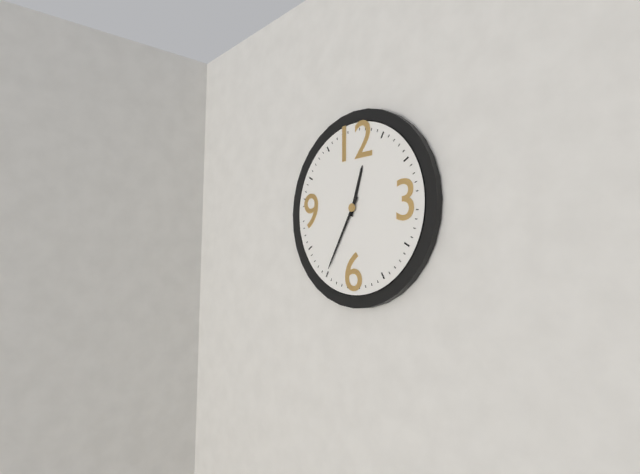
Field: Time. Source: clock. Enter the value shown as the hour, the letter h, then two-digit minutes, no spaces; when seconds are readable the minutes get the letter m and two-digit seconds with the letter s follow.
12h35
